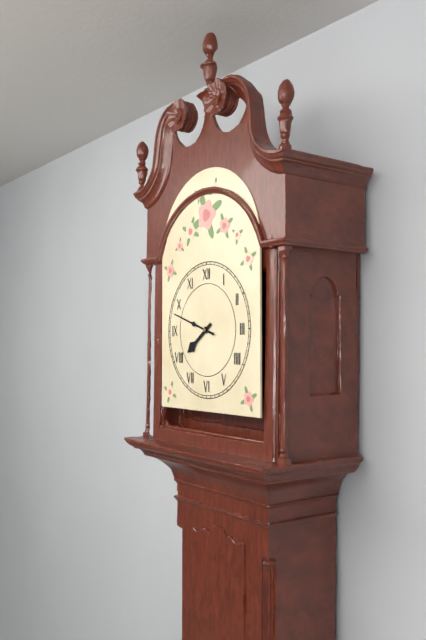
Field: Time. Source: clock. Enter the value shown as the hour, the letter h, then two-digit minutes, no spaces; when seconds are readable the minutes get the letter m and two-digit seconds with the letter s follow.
7h48
